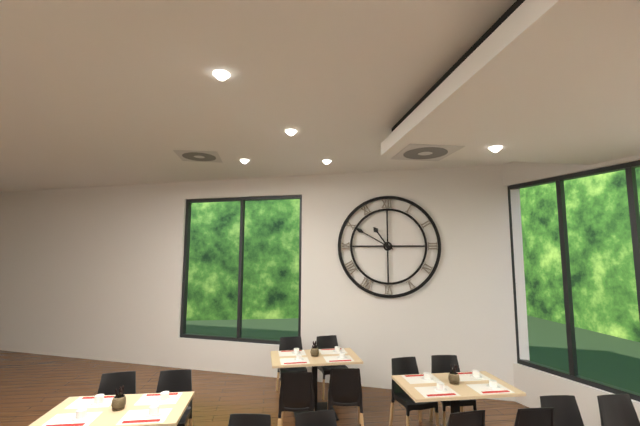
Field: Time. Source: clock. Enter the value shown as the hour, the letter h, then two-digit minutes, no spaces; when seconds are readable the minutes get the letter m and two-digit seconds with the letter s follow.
10h50
